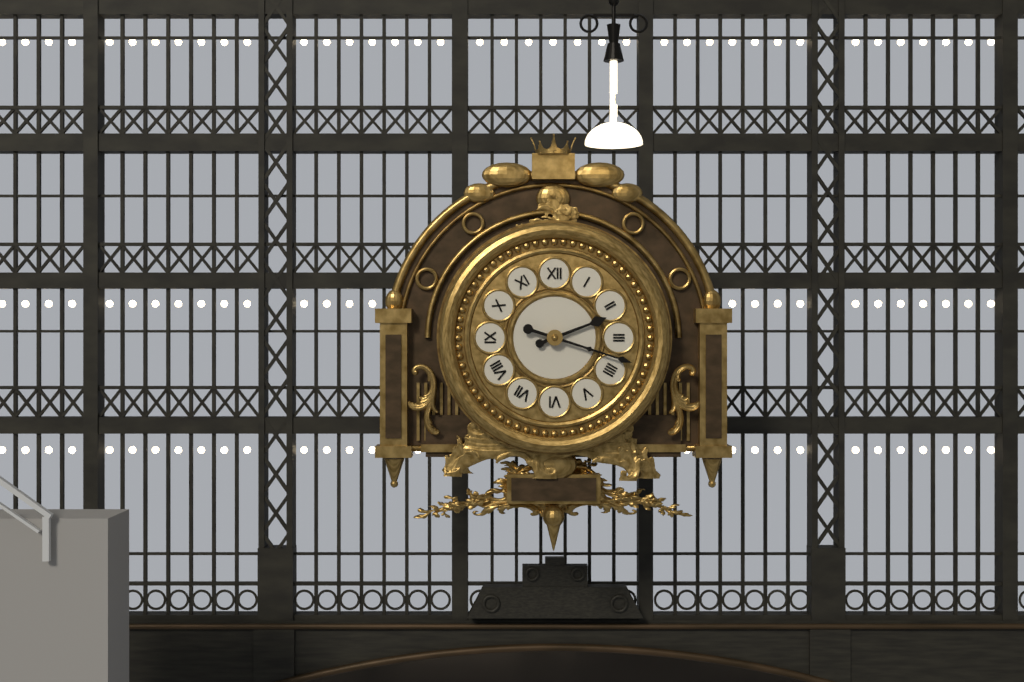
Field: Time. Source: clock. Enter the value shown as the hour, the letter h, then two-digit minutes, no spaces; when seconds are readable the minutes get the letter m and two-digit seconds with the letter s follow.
2h18
